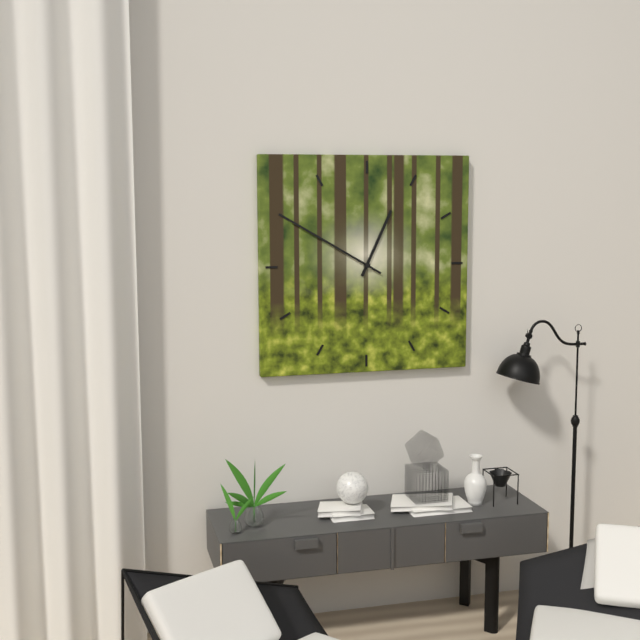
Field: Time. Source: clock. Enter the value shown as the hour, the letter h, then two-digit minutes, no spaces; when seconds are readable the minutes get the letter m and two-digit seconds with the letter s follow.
12h50
